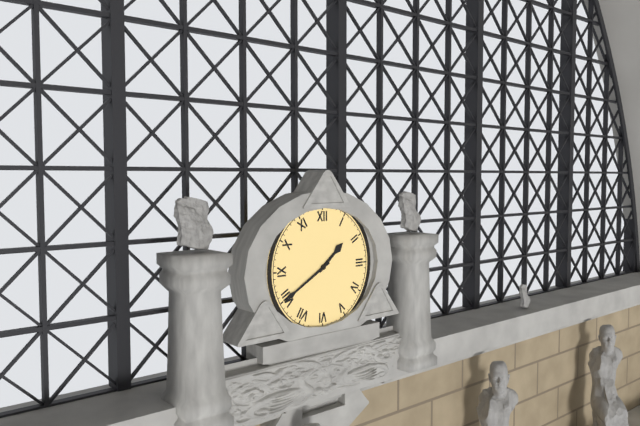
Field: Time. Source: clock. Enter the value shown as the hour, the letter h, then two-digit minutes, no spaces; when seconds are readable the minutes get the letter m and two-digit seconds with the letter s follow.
1h40
